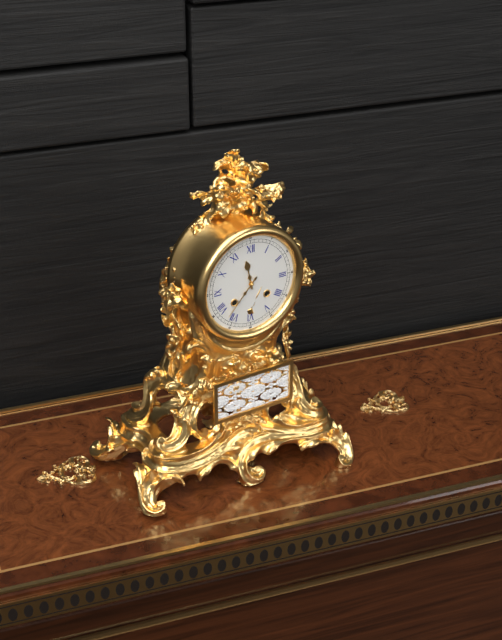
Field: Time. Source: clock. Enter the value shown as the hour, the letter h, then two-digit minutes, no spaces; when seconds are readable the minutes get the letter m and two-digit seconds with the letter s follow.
11h37
